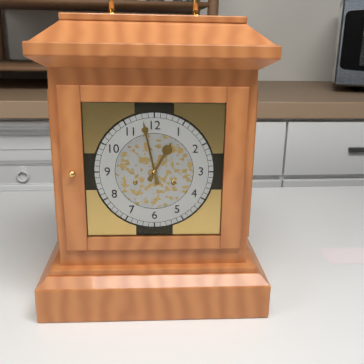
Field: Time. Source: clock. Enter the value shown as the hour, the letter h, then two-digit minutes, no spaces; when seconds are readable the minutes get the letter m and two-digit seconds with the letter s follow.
12h58
